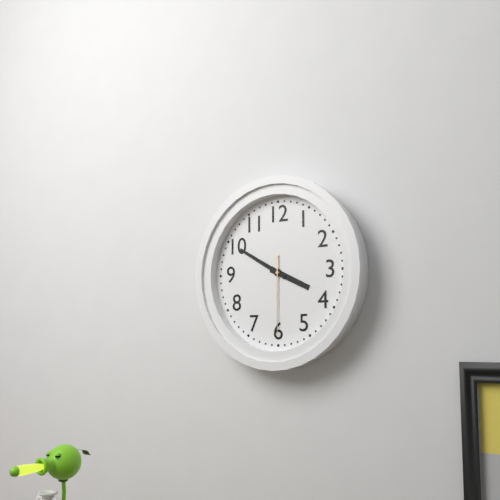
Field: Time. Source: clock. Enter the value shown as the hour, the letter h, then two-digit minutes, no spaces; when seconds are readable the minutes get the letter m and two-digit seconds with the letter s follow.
3h50m30s
